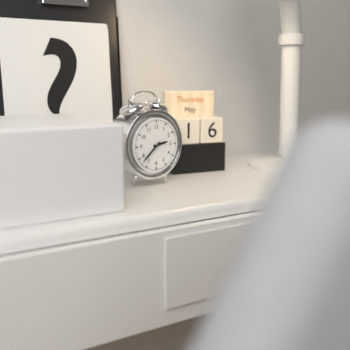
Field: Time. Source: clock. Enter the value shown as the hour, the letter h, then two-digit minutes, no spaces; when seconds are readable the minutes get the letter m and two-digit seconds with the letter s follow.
2h38
